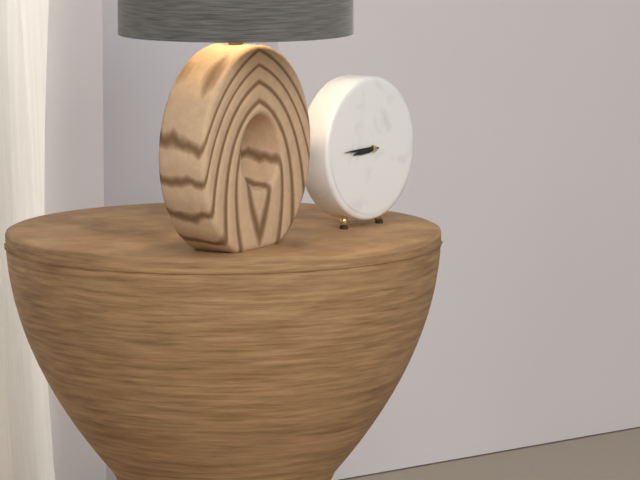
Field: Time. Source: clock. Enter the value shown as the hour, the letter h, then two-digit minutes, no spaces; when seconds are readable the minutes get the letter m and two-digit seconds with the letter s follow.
8h45
